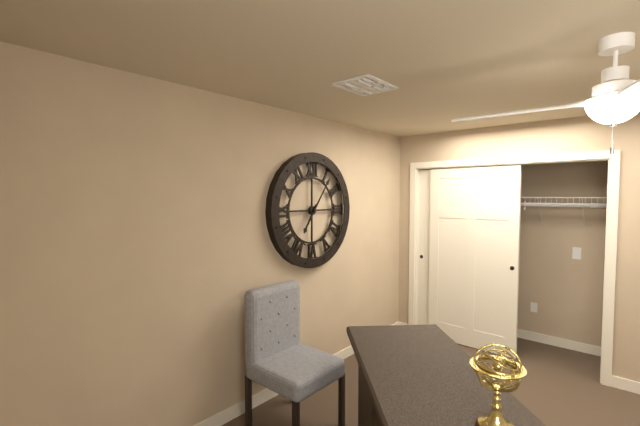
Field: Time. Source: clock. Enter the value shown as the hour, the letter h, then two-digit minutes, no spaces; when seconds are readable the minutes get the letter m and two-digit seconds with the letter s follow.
7h06
